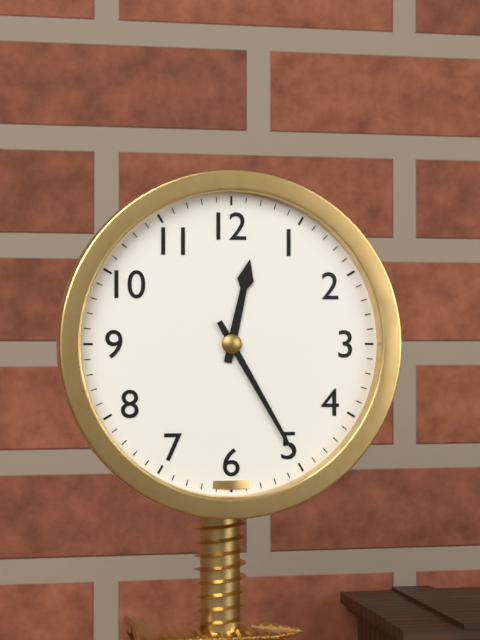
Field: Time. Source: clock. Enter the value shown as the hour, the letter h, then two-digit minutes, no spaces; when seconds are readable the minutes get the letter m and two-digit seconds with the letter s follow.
12h25
